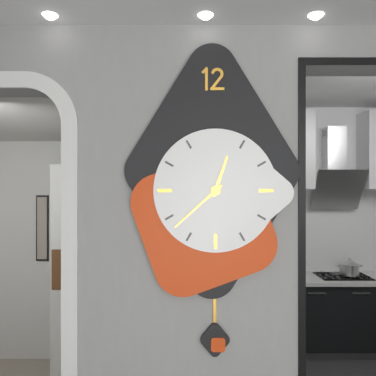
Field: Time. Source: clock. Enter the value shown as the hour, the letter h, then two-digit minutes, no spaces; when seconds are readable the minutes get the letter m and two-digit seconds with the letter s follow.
12h38
